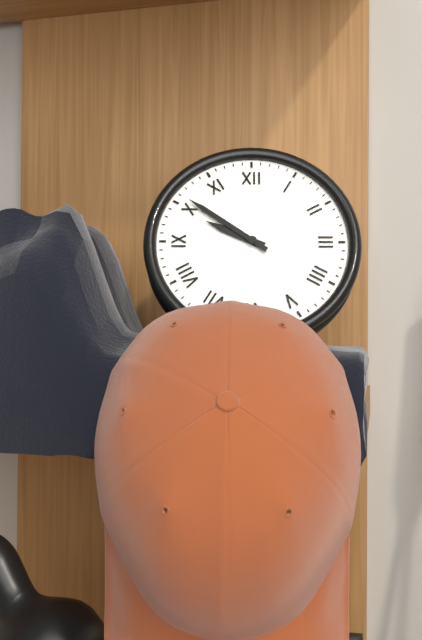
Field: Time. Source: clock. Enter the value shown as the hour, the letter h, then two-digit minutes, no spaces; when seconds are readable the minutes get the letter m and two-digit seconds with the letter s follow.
9h51
